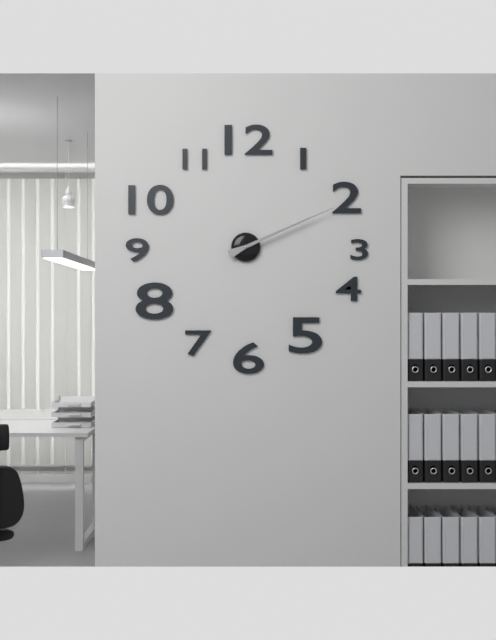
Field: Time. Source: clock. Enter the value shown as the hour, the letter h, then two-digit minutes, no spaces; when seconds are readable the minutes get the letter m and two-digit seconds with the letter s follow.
2h11
